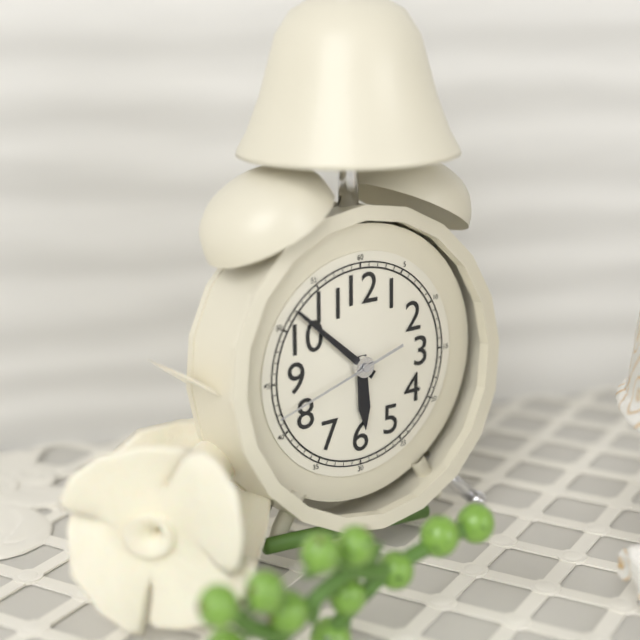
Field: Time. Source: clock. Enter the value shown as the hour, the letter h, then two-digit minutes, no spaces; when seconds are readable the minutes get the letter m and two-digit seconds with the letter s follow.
5h52m42s
